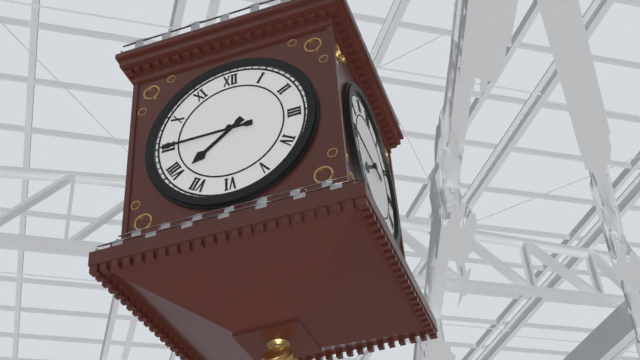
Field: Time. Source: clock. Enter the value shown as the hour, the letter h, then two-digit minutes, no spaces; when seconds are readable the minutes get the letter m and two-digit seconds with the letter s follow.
7h45
